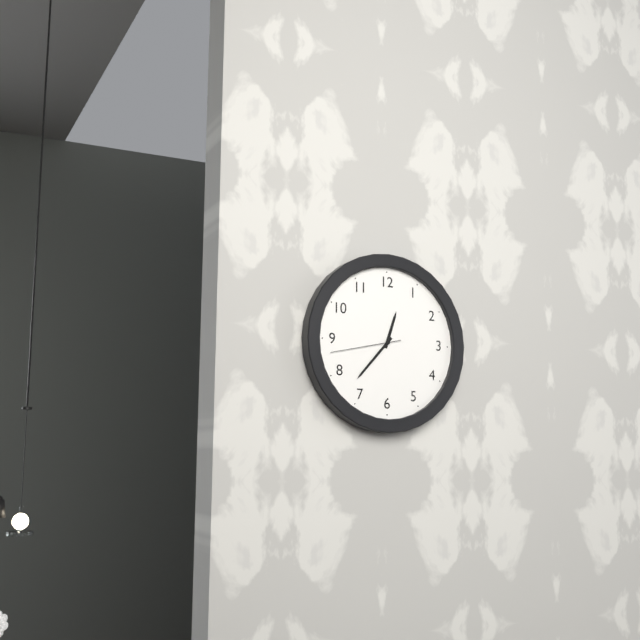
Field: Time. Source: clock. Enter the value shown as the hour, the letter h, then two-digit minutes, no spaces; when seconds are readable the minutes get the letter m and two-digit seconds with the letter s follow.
12h37m43s
